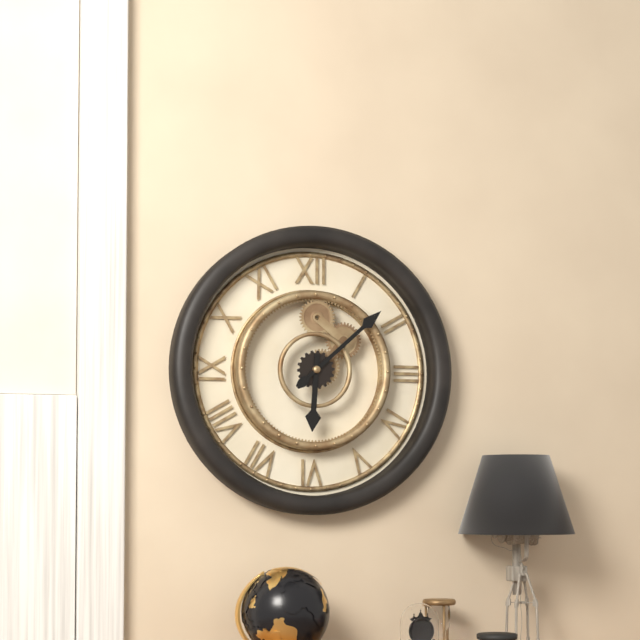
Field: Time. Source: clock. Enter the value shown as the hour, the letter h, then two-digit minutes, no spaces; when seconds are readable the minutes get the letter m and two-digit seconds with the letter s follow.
6h08
